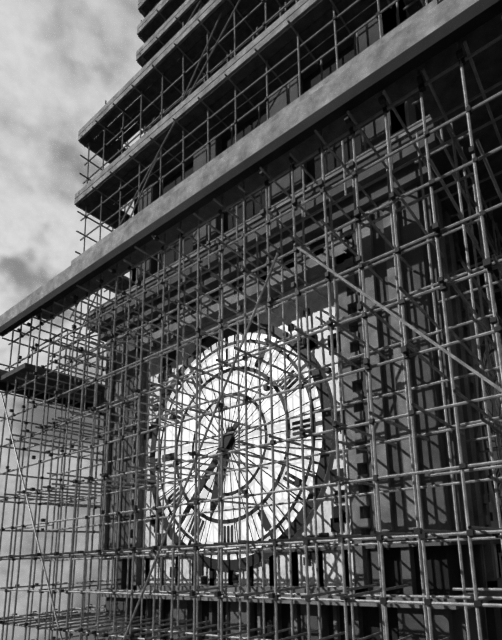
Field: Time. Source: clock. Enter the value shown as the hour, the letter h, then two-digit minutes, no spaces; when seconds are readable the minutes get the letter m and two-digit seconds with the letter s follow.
6h37
